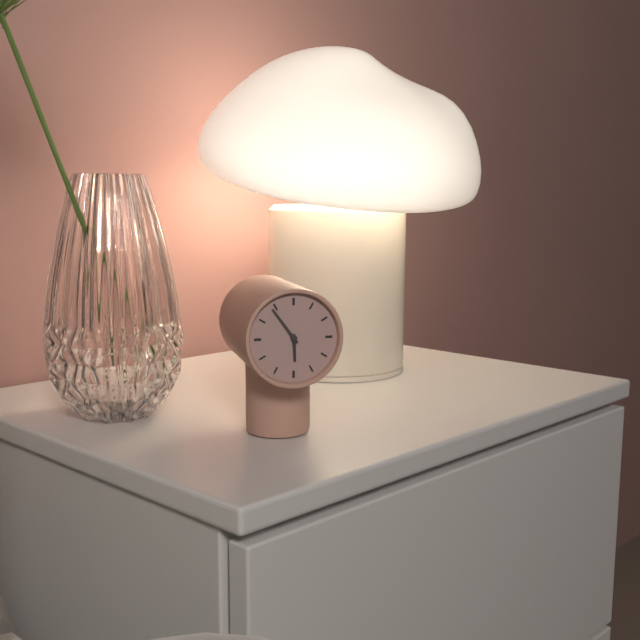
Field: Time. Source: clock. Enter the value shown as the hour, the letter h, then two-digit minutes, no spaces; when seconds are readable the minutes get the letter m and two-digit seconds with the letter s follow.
5h54
